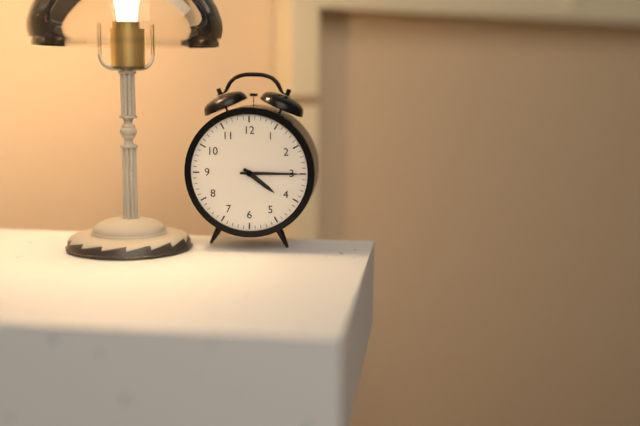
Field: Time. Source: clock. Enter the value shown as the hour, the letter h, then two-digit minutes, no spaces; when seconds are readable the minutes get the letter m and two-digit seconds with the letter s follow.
4h15
